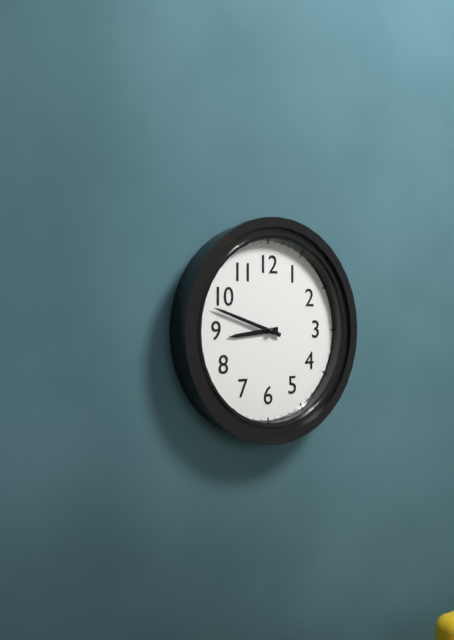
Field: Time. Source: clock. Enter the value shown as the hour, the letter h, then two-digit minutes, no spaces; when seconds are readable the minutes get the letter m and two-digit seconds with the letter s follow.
8h48
